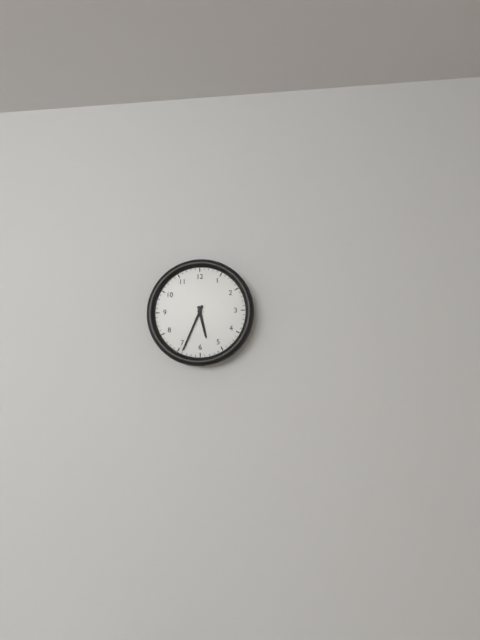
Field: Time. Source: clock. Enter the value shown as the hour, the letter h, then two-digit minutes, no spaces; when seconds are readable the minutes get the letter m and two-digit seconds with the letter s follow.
5h34
